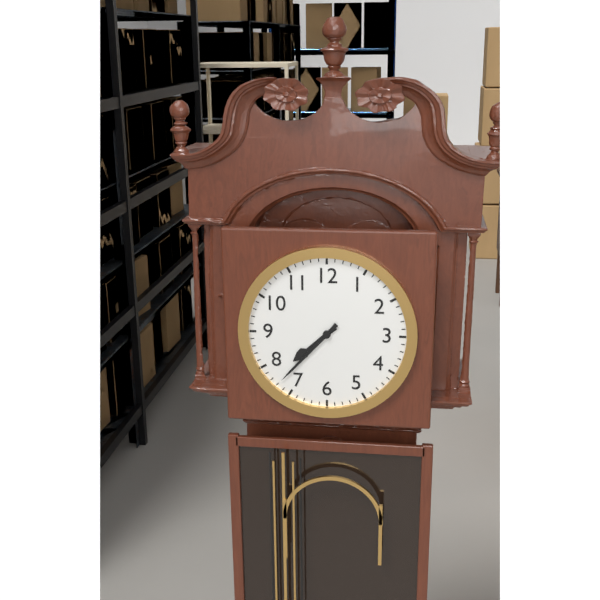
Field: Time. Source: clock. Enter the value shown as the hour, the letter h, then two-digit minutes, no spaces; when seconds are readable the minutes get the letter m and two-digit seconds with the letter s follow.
7h37
